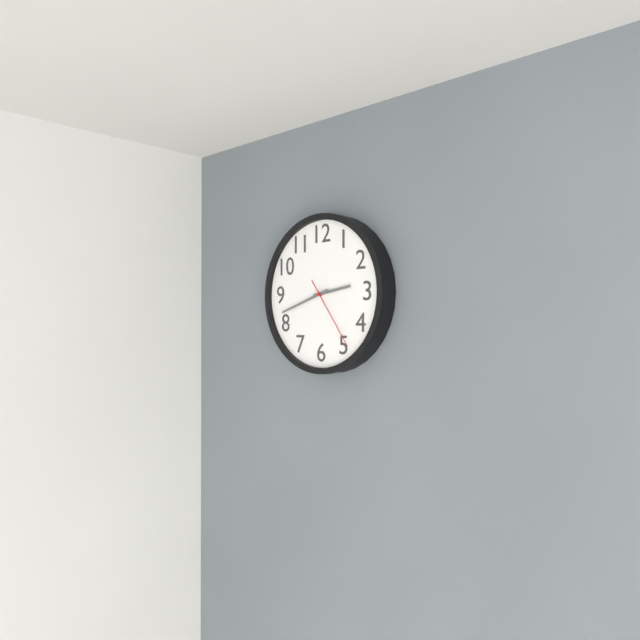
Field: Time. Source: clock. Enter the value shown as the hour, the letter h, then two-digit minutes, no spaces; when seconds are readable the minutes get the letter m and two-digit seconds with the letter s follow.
2h42m24s
